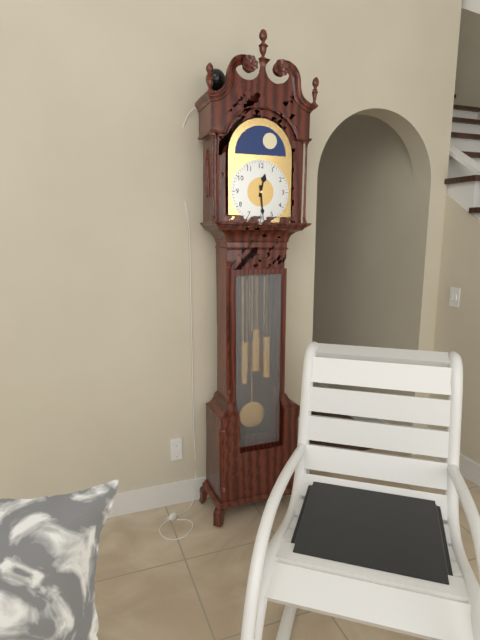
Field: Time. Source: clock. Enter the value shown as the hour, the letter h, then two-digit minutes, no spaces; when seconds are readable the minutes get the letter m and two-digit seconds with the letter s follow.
12h29
